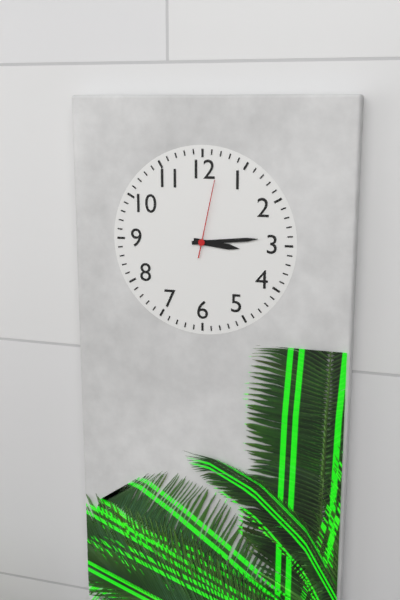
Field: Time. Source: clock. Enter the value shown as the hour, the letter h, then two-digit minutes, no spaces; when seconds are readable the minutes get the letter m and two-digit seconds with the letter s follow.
3h14m02s
